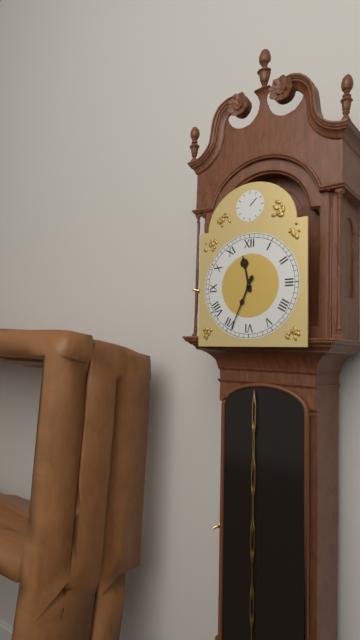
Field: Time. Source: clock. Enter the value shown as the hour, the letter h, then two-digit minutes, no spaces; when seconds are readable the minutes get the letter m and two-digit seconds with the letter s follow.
11h34
